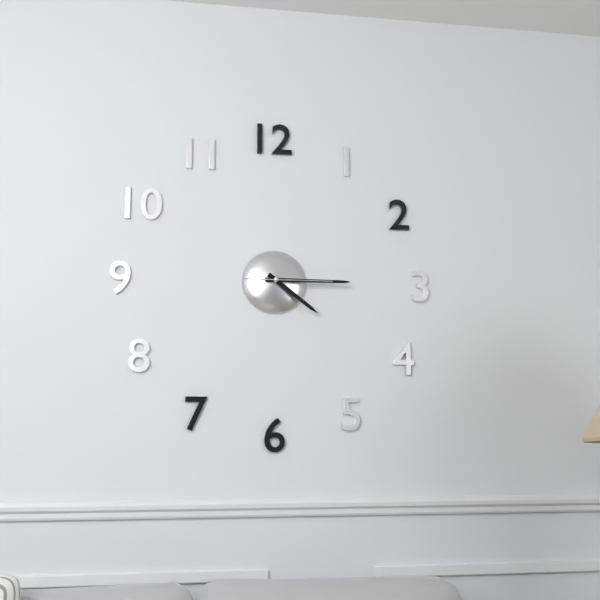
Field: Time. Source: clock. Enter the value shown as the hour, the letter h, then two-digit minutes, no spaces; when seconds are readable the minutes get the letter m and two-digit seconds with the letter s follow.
4h15m15s
